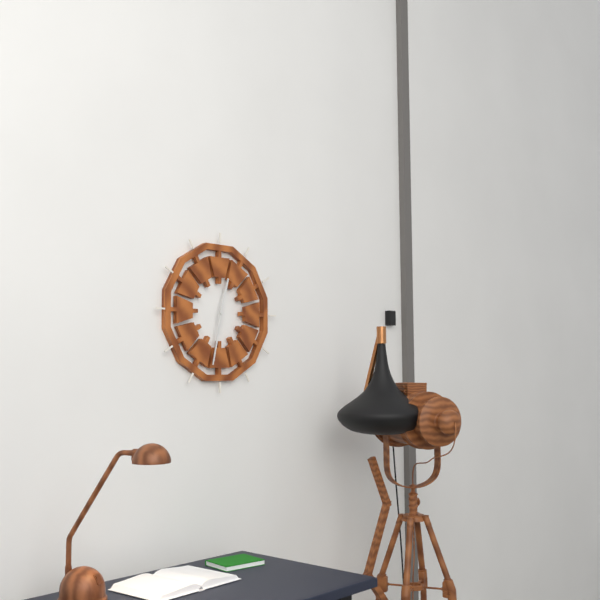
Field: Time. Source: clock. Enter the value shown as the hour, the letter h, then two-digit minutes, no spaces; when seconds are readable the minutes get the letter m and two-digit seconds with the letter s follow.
12h32
